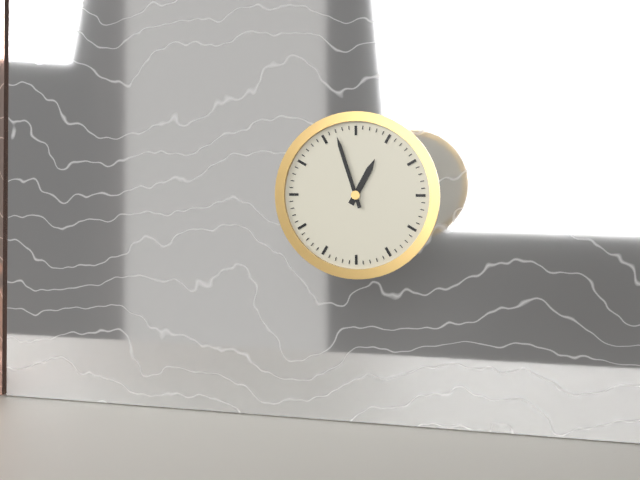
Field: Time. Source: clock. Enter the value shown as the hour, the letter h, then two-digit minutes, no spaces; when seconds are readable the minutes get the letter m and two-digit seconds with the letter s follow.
12h57
